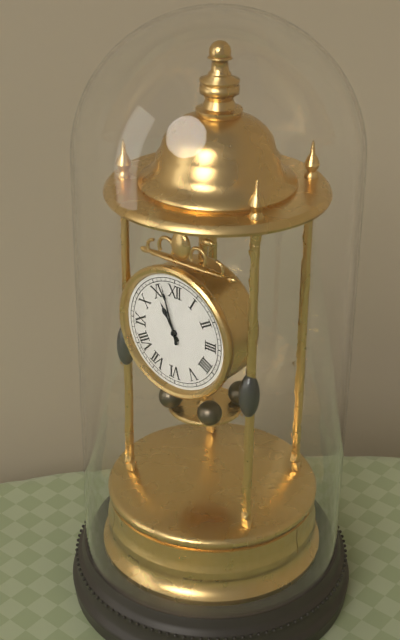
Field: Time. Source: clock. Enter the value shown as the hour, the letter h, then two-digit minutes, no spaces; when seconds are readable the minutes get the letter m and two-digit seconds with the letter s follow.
10h57
